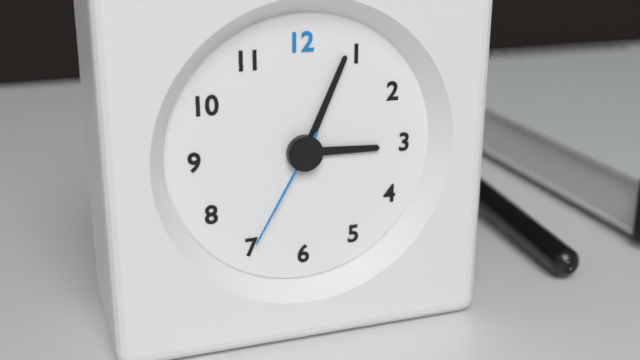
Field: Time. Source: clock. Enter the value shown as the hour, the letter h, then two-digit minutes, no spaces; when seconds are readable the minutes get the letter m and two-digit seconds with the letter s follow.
3h04m35s
